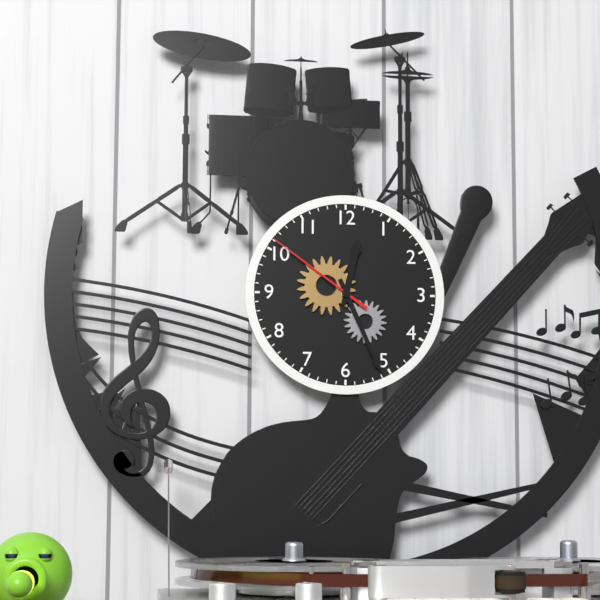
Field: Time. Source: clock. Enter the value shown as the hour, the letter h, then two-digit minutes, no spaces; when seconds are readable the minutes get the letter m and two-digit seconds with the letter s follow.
12h26m51s
